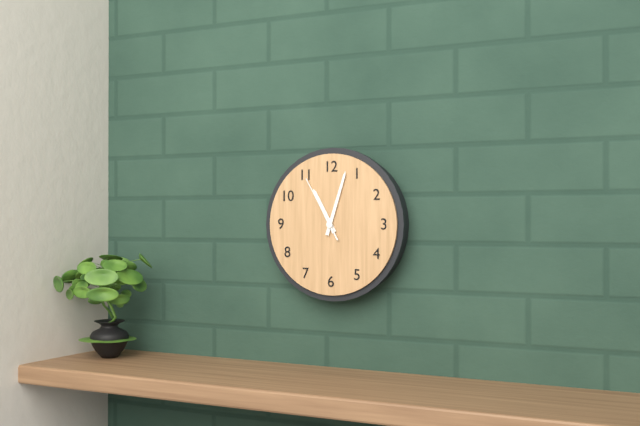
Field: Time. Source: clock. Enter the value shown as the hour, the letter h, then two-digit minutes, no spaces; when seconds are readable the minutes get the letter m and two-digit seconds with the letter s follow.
11h03m55s
